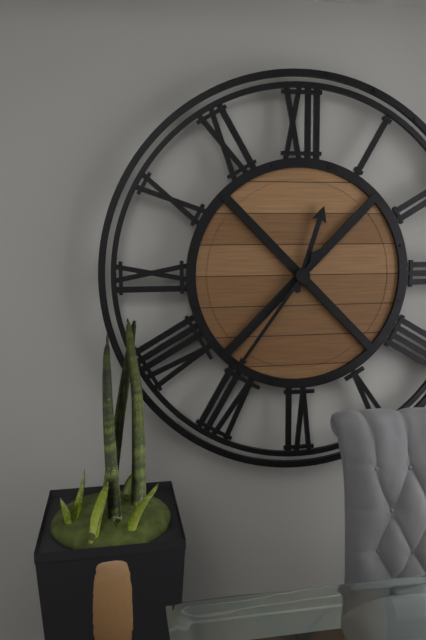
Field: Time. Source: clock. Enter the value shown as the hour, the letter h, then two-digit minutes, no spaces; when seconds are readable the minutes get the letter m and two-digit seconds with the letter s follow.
12h36
